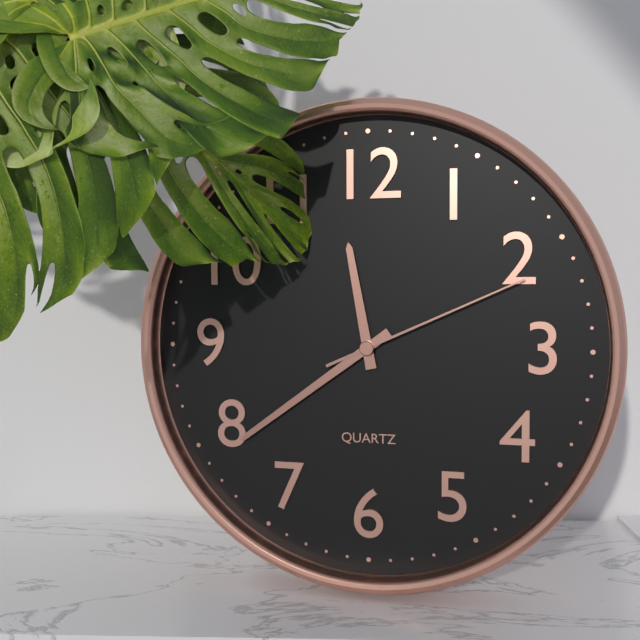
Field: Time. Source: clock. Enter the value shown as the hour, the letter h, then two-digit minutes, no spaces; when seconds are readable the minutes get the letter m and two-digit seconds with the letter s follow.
11h39m11s
